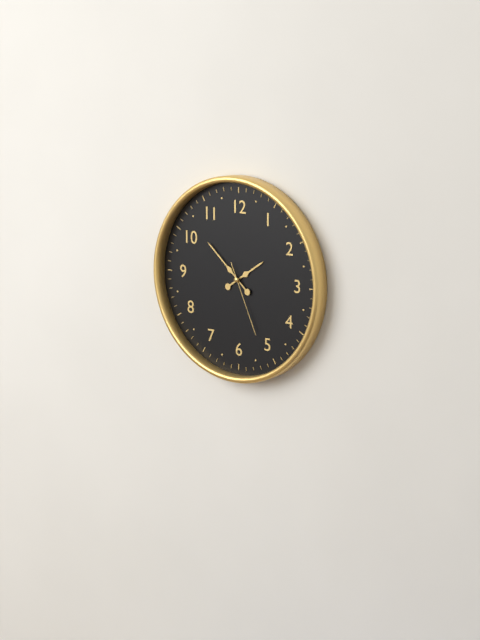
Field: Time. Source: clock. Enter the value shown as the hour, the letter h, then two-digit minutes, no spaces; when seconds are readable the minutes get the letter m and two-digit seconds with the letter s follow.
1h52m26s
